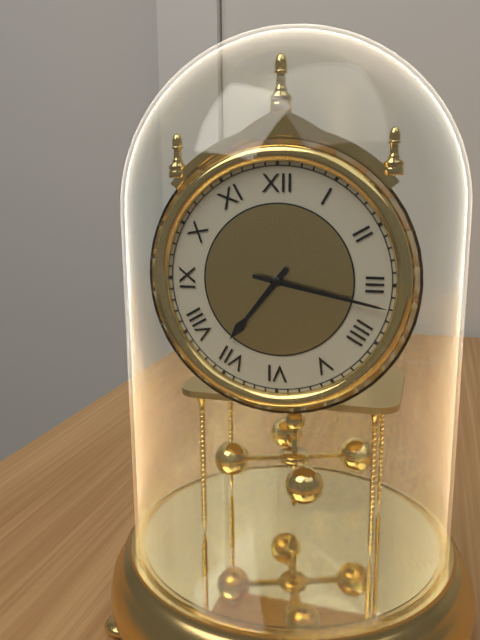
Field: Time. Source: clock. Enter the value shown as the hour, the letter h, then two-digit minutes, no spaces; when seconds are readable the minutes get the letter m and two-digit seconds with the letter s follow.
7h17
